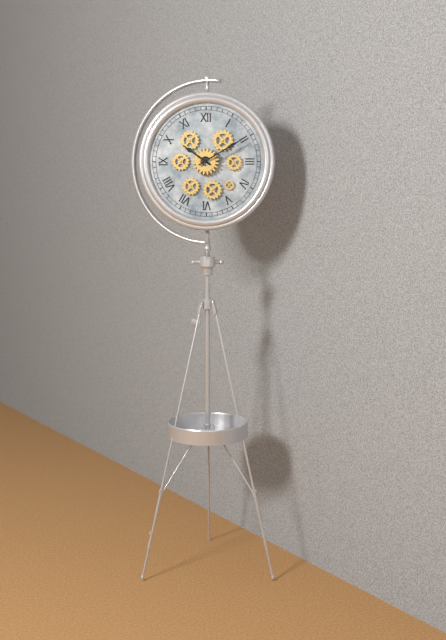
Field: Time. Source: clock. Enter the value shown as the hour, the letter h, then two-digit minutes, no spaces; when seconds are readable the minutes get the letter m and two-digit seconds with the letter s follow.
10h10
